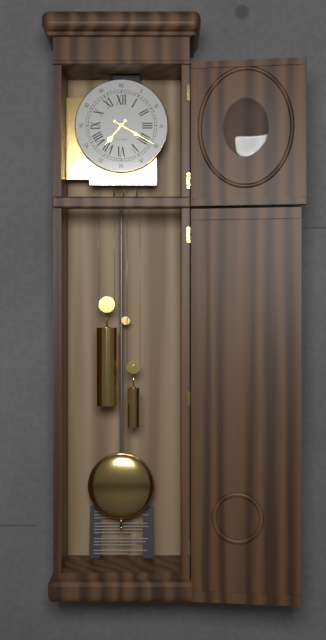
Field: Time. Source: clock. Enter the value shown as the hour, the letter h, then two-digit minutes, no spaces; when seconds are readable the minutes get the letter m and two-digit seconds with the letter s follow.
7h20
